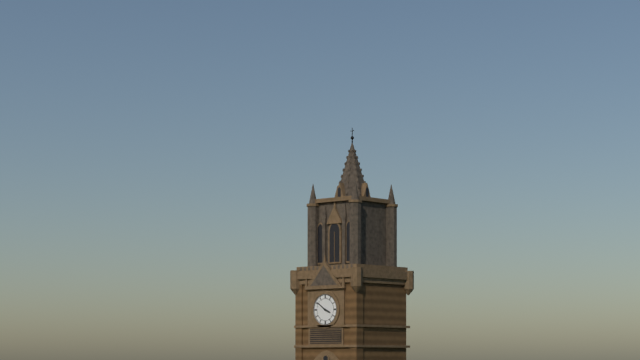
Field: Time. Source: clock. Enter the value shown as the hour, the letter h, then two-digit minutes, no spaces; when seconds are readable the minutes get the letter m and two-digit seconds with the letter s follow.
3h51
